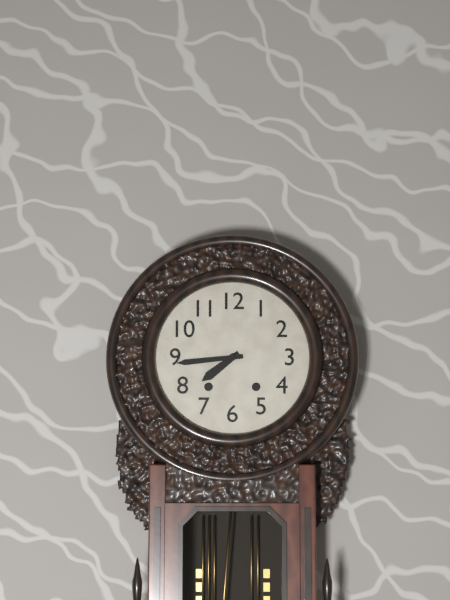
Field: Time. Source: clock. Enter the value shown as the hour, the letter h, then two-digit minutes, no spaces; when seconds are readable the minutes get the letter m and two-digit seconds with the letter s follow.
7h44
